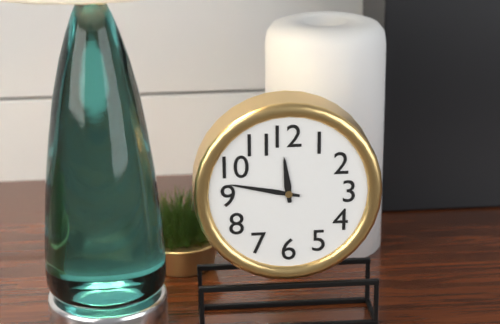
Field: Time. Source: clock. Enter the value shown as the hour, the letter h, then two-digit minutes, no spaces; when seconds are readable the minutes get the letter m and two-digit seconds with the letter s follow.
11h47
